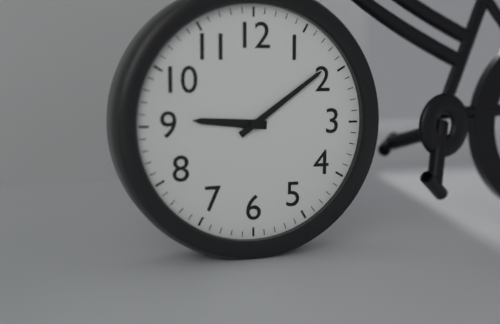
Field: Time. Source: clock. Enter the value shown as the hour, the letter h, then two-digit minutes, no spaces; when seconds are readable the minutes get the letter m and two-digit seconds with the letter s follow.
9h09
